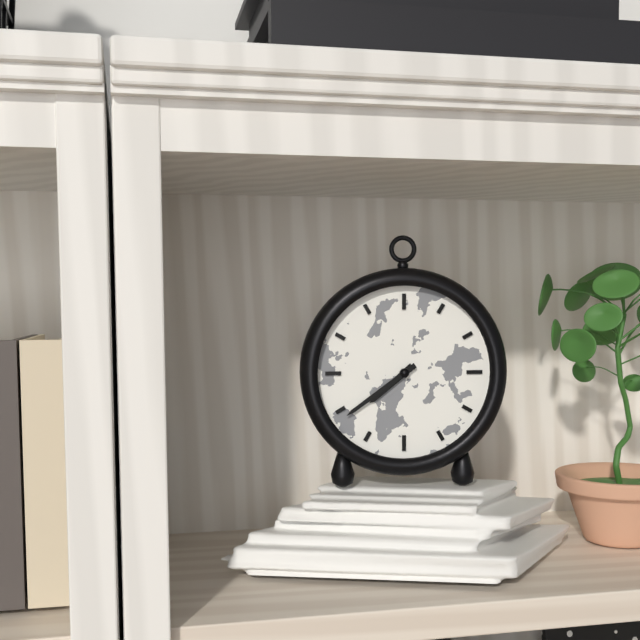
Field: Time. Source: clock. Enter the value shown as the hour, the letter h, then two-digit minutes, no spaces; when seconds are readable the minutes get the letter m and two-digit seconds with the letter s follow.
7h39
